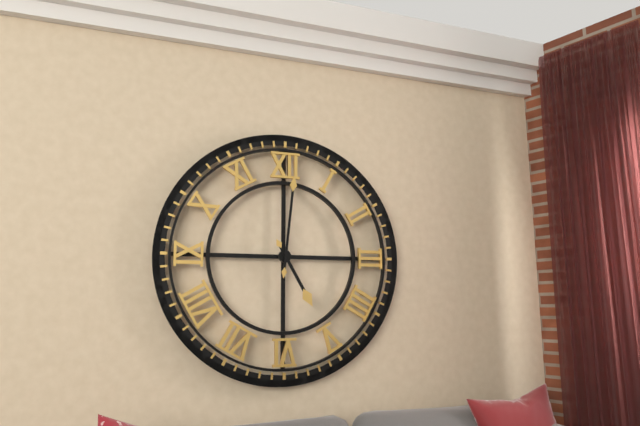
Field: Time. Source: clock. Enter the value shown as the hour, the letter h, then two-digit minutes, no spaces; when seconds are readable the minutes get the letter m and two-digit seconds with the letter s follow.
5h01
